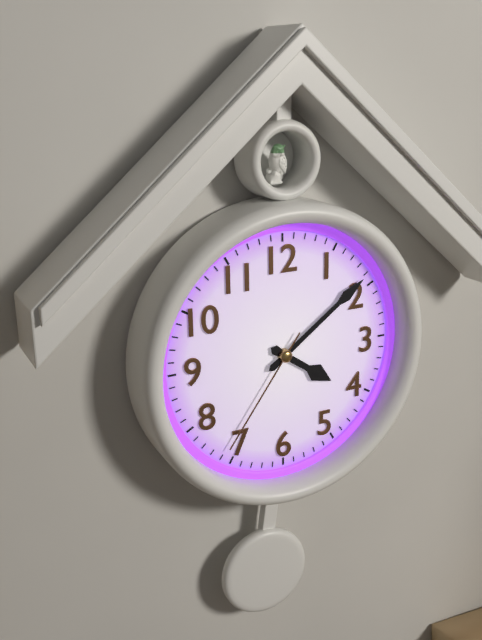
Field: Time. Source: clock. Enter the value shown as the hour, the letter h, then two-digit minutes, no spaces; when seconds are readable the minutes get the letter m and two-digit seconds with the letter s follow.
4h09m36s
